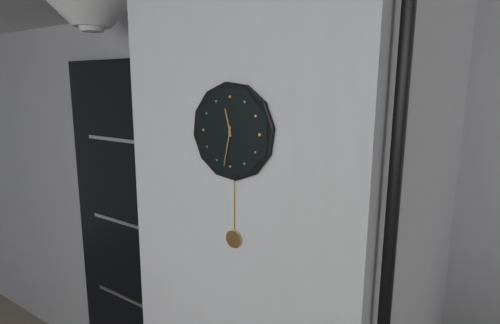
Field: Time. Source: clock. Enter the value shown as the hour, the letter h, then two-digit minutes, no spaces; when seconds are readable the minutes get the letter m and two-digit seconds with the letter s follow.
11h32
